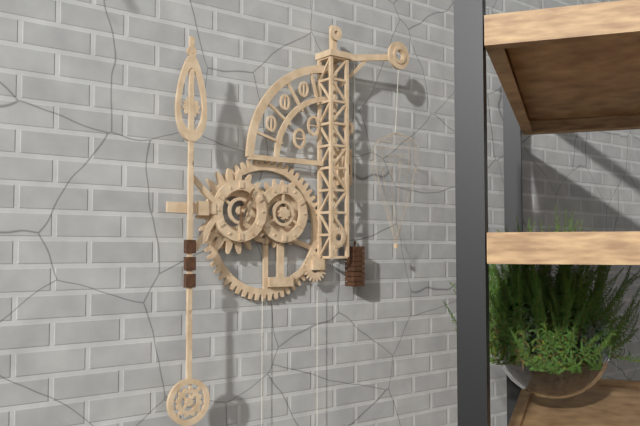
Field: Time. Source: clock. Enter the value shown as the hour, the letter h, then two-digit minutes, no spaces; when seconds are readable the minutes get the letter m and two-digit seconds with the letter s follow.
6h05
